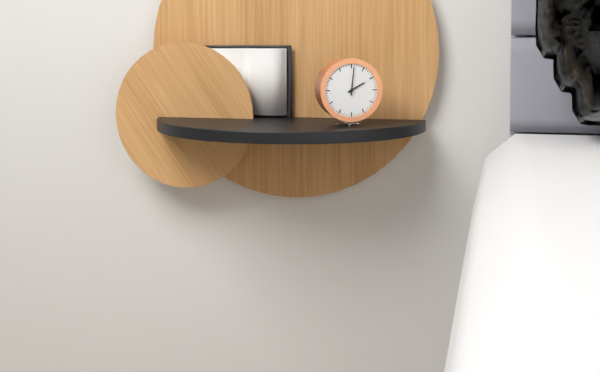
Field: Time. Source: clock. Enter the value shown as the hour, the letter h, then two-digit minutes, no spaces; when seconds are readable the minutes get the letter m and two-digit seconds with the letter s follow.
2h01
